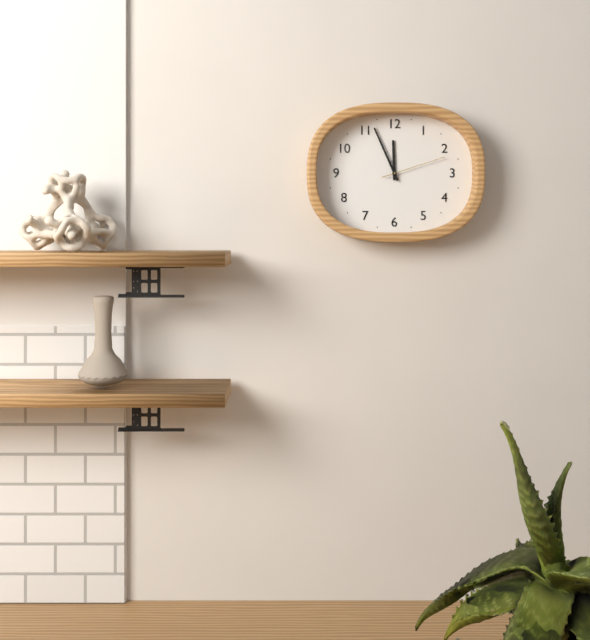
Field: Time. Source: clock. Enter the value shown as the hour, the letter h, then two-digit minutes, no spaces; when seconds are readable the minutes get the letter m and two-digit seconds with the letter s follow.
11h56m12s
